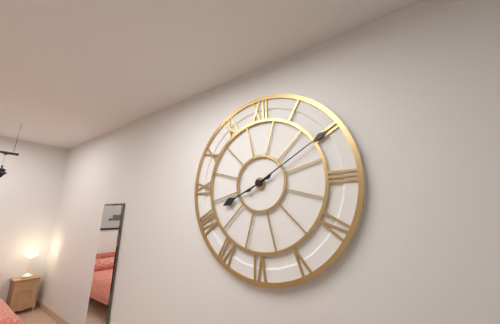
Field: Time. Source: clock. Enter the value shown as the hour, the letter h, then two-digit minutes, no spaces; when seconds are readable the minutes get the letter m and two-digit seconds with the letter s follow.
8h10
